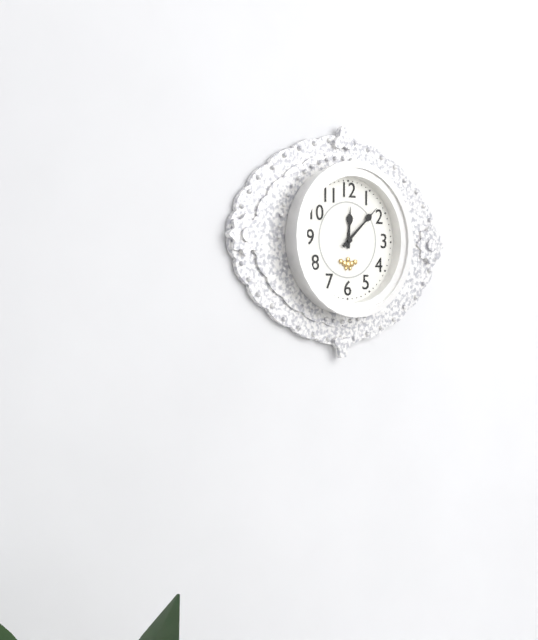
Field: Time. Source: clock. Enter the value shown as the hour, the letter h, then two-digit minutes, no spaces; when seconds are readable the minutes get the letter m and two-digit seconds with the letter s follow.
12h08
